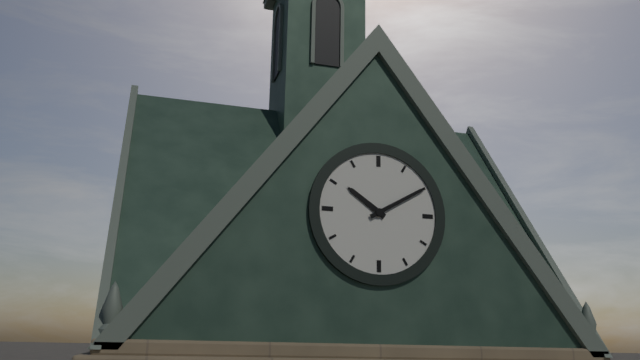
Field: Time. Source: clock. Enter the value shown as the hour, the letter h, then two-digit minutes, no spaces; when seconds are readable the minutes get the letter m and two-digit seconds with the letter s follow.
10h10
